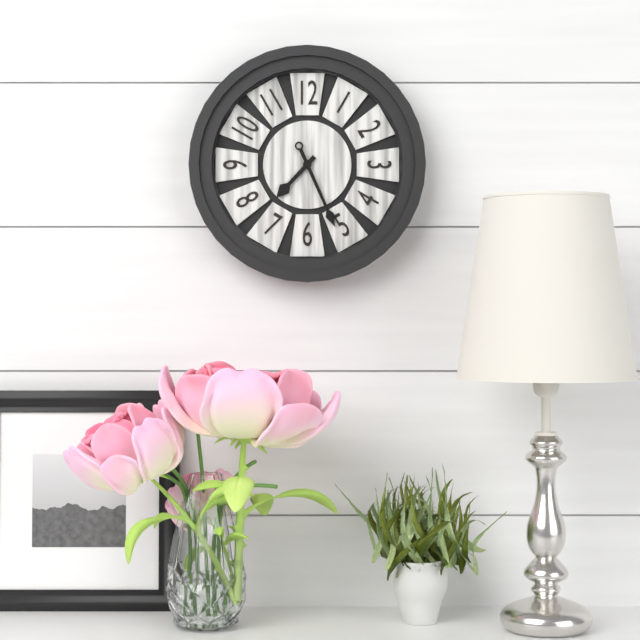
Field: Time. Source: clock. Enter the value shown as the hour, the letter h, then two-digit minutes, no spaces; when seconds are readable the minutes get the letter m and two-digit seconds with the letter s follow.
7h26
